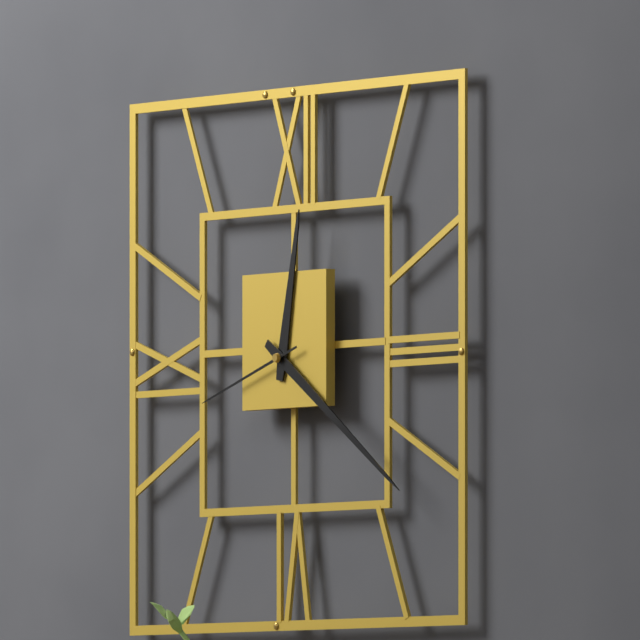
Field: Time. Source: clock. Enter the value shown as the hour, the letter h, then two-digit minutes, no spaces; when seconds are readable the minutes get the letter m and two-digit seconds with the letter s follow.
12h21m42s
